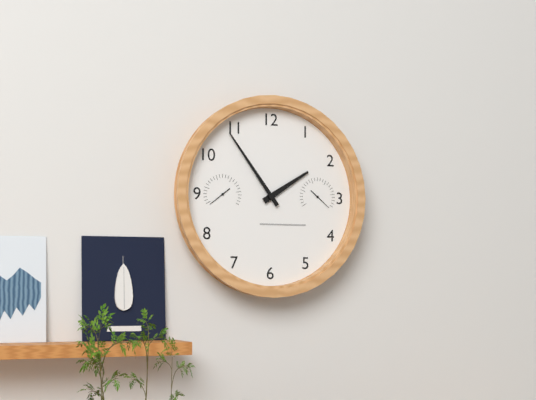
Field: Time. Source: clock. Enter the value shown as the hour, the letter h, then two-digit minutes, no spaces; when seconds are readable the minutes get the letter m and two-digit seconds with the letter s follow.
1h54
